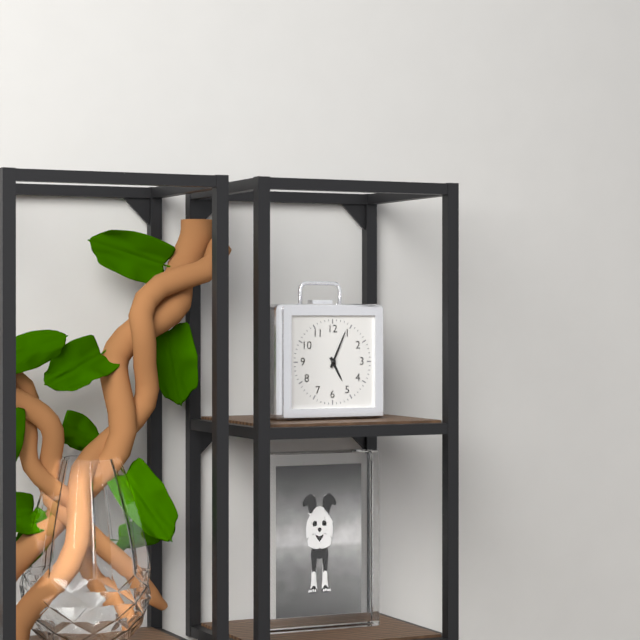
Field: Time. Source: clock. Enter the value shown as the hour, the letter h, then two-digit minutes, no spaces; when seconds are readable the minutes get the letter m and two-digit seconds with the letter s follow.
5h04
